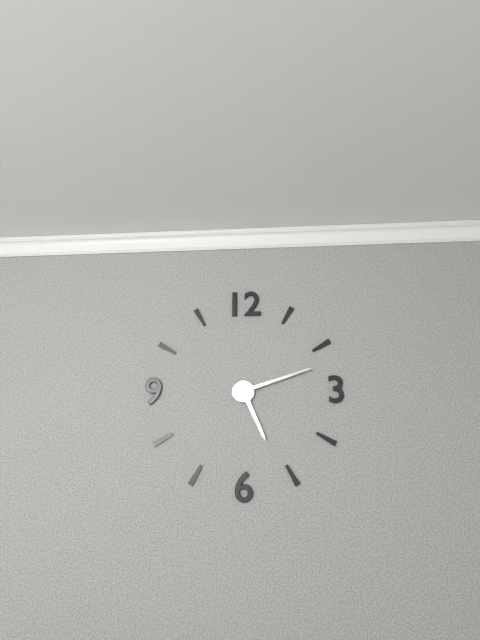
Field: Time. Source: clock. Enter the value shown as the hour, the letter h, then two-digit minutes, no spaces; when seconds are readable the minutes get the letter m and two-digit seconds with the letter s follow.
5h12
